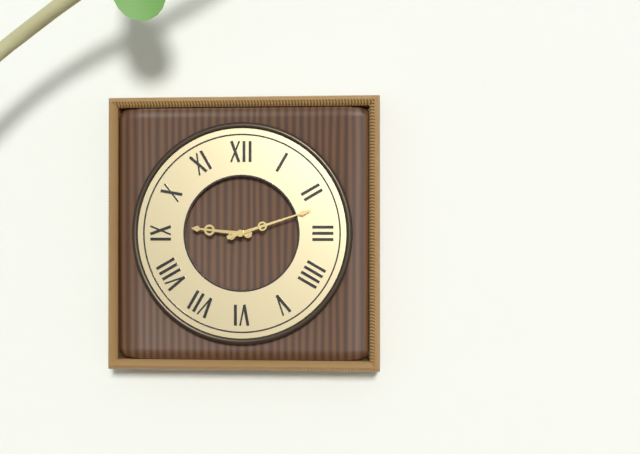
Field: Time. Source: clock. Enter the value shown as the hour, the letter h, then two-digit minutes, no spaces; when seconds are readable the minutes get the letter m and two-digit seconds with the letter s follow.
9h12
